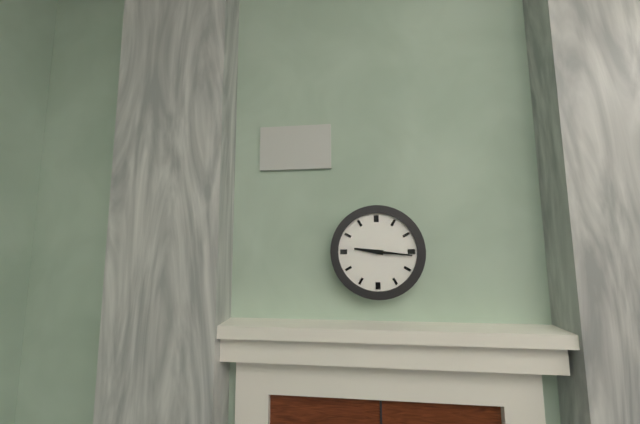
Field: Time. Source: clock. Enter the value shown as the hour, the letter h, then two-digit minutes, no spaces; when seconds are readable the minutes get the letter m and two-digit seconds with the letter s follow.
9h16
